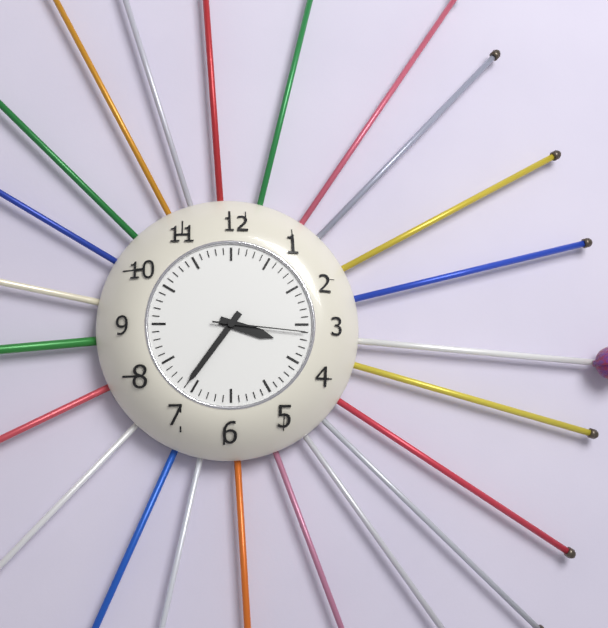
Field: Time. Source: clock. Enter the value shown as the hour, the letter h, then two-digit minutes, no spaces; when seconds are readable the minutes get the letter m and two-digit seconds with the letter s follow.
3h36m16s
